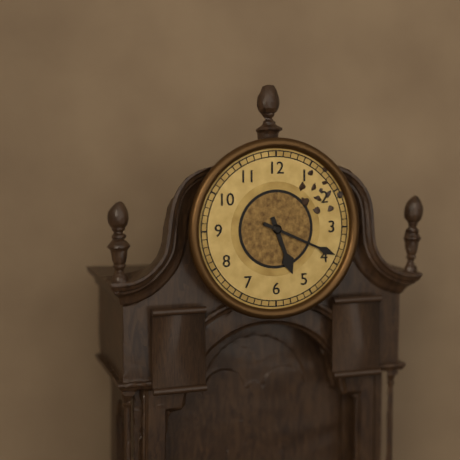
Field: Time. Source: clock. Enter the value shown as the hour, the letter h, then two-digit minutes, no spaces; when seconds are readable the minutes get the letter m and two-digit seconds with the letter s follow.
5h19
